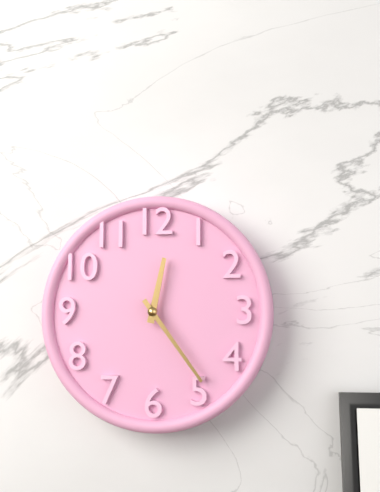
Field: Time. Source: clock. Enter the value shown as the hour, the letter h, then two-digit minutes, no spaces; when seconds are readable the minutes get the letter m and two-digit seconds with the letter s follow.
12h24
